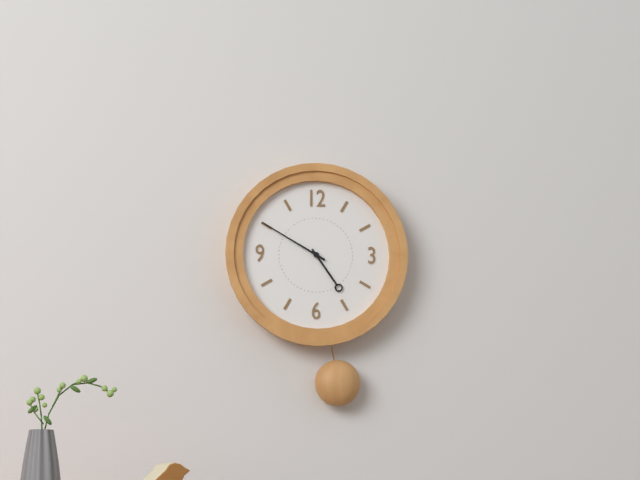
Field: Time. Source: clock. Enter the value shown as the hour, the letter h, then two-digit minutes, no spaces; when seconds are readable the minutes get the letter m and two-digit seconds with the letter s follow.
4h50
